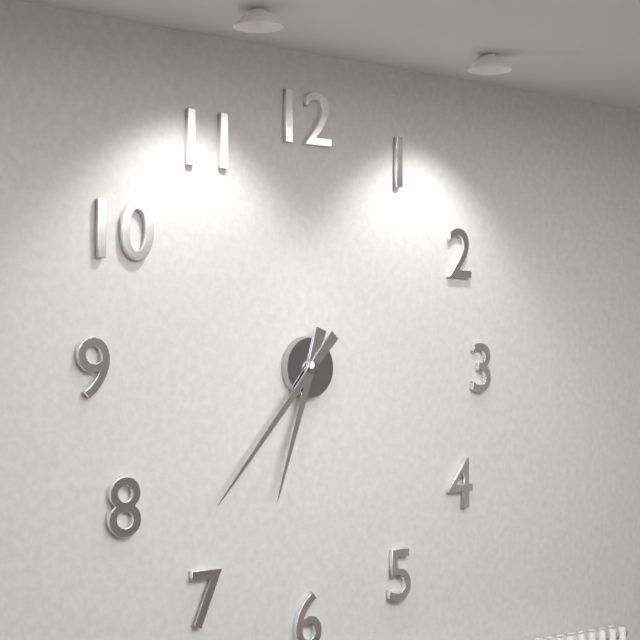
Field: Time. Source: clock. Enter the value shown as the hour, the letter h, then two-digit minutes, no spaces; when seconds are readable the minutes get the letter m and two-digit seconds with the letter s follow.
6h37
